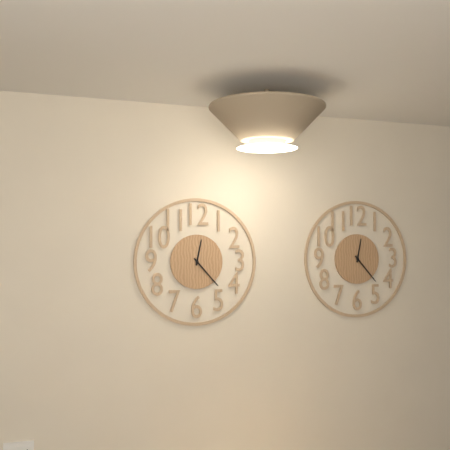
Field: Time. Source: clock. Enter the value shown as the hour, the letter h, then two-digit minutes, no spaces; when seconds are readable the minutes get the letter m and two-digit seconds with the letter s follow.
12h23
